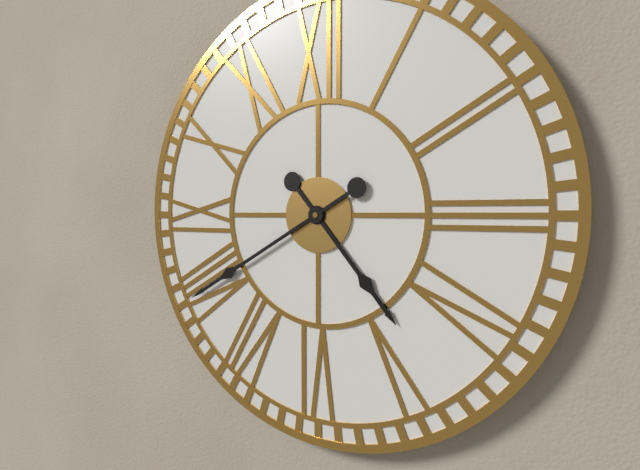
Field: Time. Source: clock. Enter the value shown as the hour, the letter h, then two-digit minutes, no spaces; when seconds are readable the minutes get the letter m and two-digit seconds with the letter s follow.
4h40
